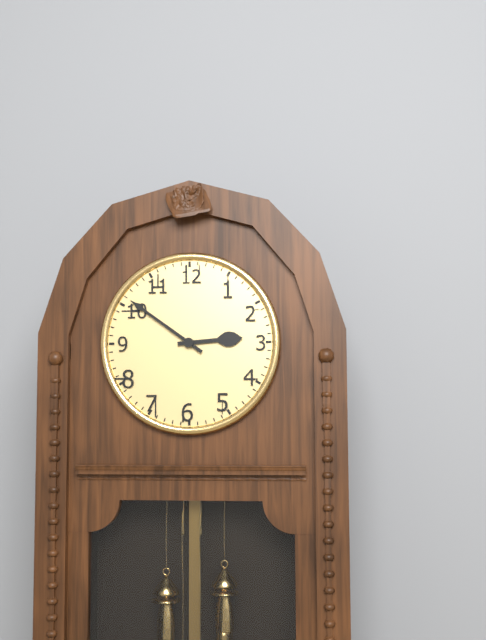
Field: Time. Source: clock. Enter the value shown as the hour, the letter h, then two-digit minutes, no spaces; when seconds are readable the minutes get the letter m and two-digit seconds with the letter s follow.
2h51
